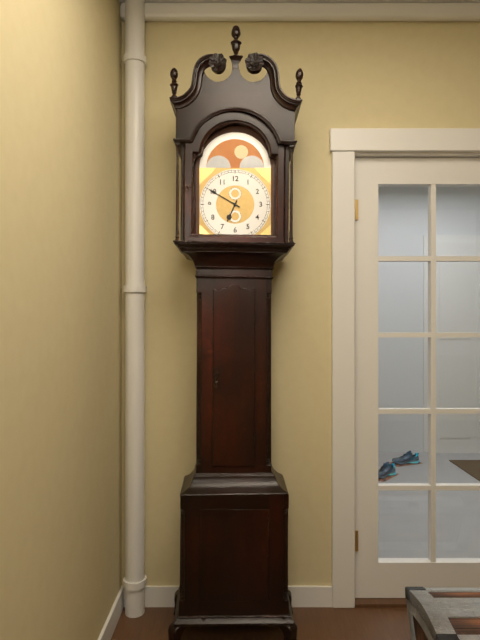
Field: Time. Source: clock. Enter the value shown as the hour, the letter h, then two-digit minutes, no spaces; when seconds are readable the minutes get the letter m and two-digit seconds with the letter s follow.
6h50
